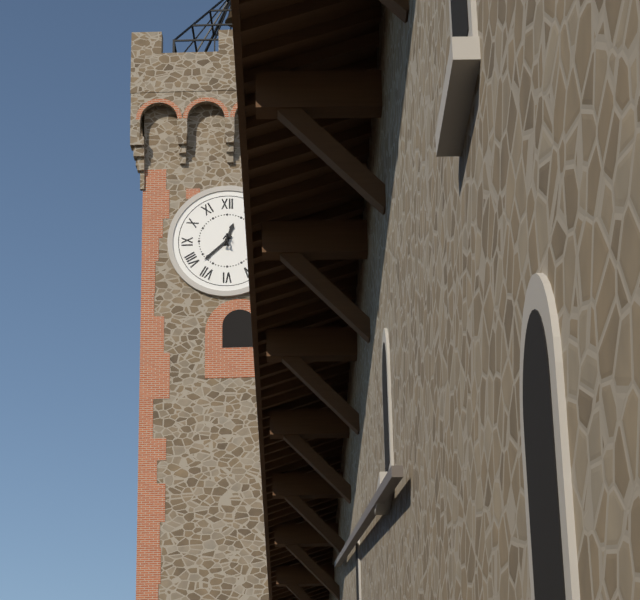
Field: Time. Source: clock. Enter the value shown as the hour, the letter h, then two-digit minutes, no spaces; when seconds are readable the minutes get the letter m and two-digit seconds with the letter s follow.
12h38
